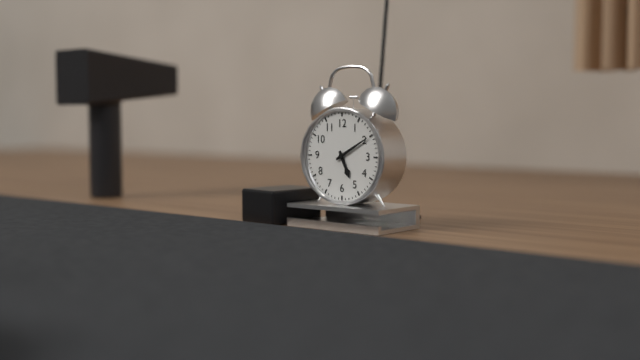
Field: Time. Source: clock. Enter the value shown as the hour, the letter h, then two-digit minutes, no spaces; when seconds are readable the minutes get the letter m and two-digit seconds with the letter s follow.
5h10
